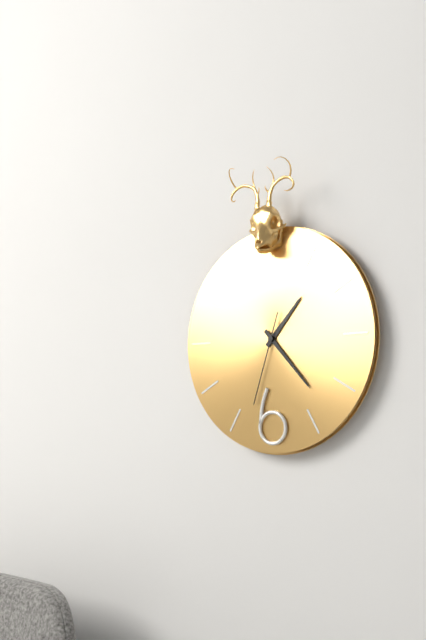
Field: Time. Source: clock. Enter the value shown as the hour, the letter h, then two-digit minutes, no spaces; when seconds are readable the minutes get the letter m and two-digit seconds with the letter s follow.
1h23m33s
